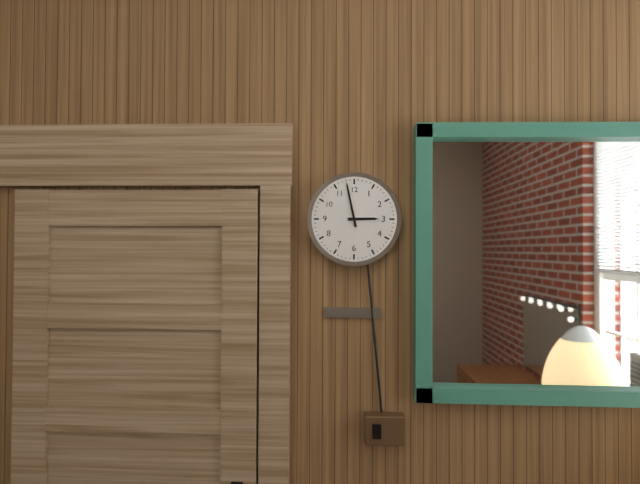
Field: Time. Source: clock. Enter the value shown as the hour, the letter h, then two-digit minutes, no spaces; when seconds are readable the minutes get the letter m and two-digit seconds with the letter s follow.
2h58
